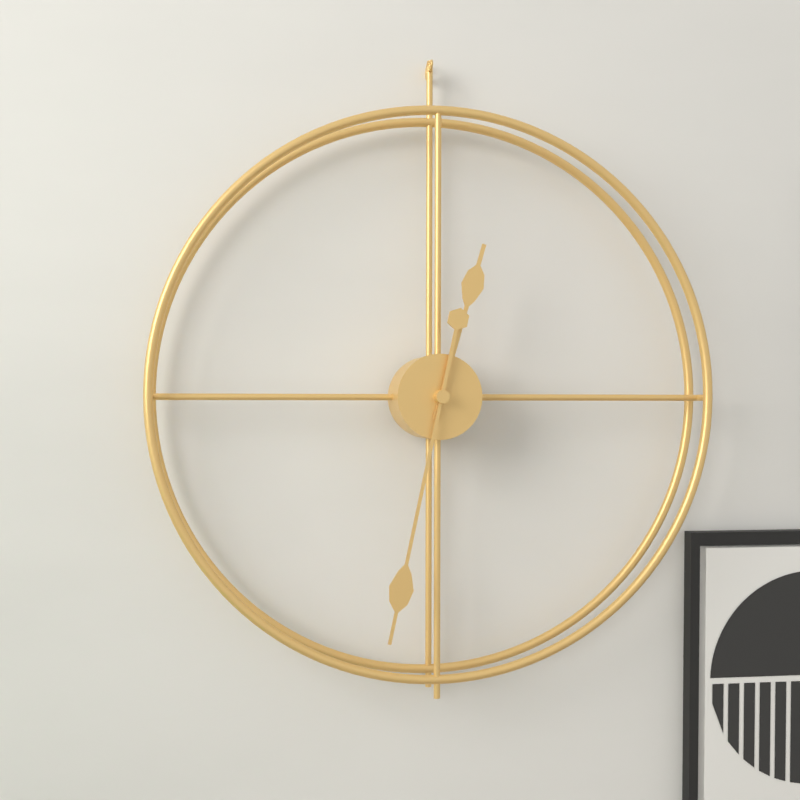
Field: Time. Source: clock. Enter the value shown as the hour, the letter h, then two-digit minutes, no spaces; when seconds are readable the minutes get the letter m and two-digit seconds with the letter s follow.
12h32
